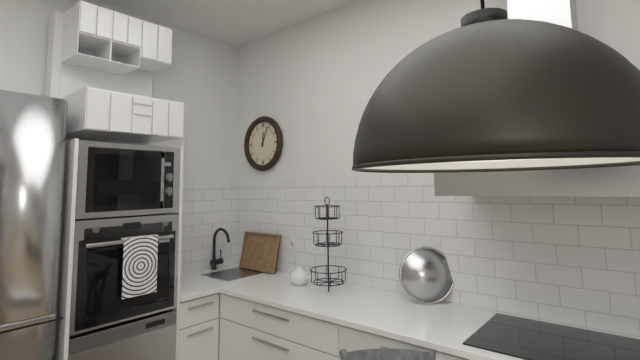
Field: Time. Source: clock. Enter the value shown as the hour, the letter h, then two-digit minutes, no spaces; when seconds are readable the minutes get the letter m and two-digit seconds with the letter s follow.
12h04
